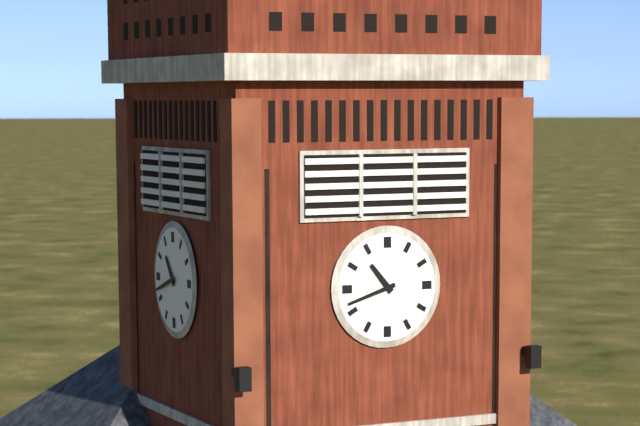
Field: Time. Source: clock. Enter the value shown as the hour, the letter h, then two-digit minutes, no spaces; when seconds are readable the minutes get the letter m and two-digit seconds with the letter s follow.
10h42
